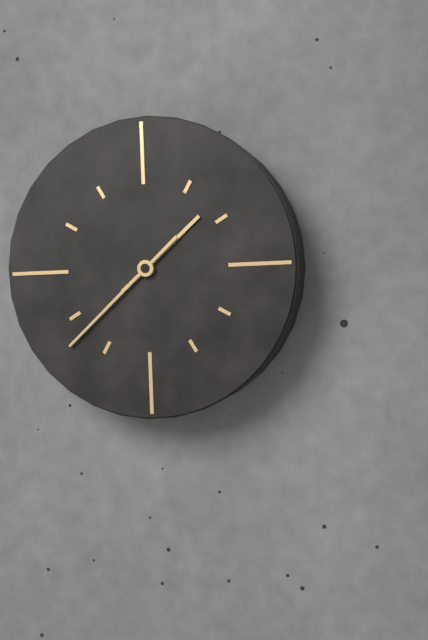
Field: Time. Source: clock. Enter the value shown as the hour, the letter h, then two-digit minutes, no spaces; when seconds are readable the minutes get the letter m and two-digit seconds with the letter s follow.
1h38
